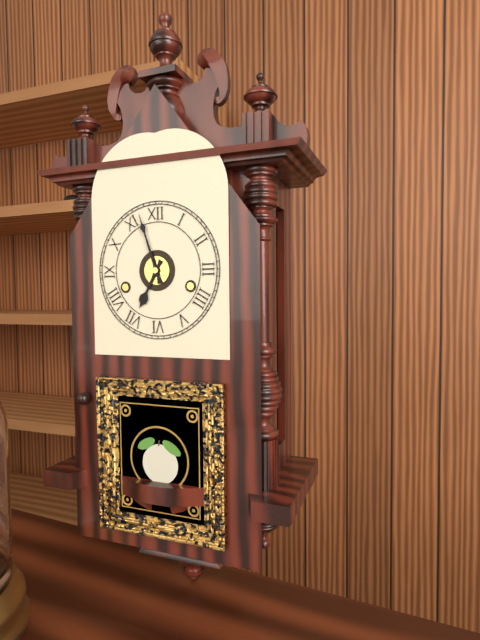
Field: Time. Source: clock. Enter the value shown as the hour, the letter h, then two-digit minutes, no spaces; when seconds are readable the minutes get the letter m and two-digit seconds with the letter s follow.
6h57
